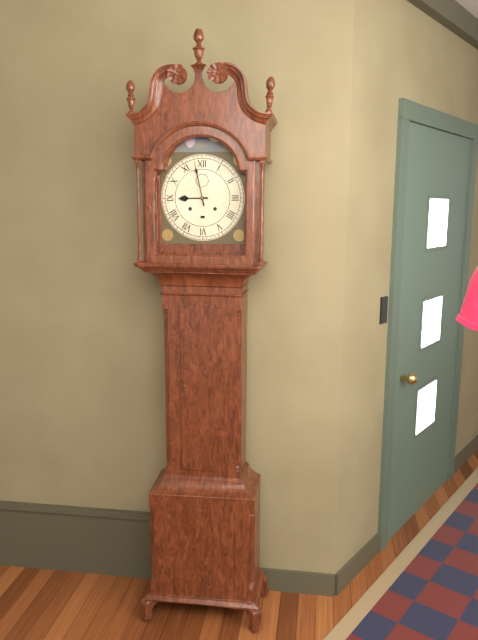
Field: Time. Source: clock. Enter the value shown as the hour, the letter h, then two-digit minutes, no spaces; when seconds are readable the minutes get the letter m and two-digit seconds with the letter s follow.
8h58
